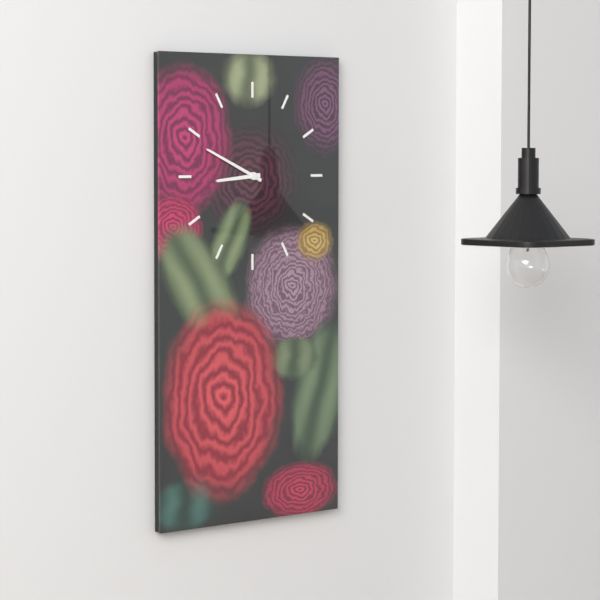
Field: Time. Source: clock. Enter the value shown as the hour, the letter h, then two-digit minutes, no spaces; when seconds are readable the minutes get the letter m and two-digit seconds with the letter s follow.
8h49
